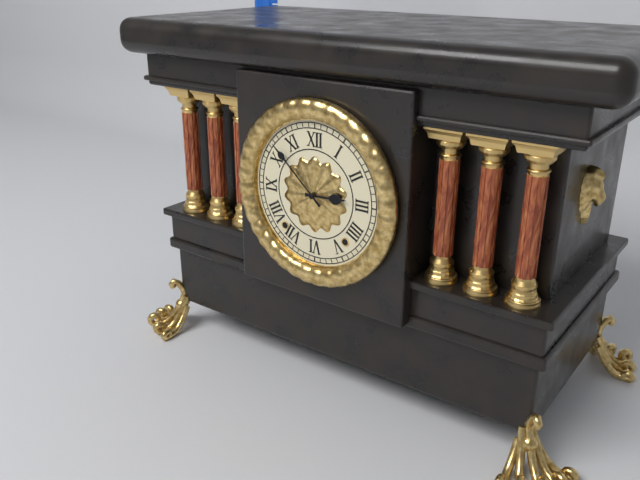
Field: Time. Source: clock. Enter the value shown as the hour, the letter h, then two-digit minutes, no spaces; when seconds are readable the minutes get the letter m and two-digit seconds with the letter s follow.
2h52
